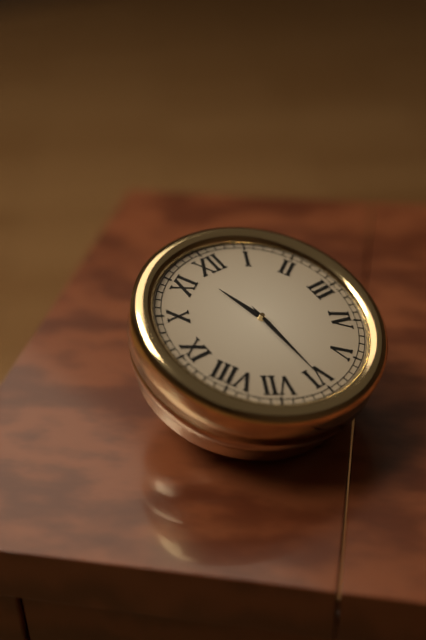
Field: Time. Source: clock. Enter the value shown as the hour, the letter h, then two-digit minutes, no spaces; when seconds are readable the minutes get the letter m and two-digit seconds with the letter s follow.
11h30
